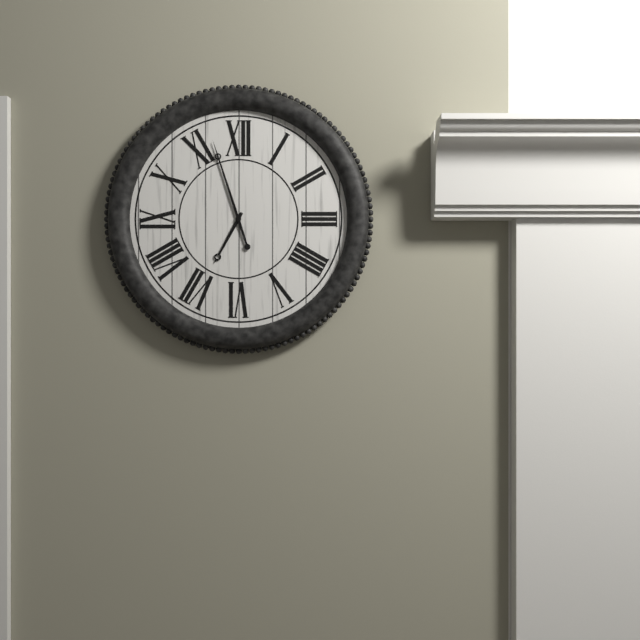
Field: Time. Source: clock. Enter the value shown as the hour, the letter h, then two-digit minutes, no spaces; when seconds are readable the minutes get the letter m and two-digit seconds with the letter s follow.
6h57
